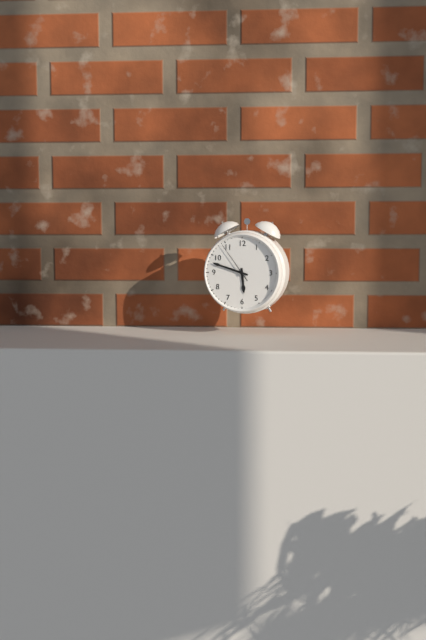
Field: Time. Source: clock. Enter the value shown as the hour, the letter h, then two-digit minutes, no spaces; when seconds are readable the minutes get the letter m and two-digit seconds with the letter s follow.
5h48
